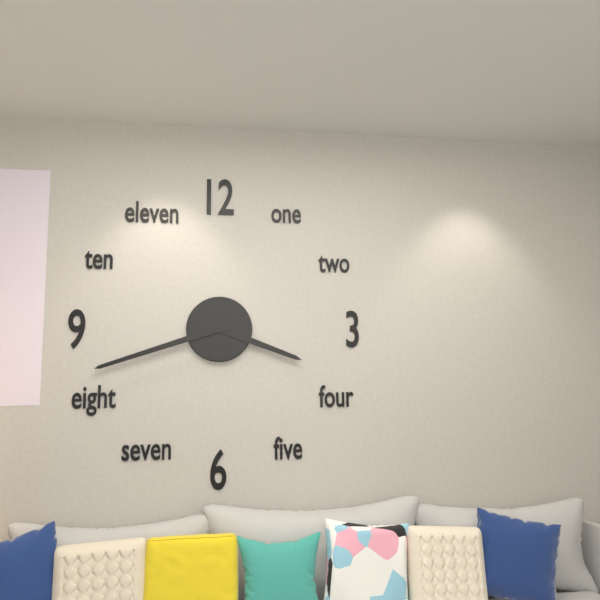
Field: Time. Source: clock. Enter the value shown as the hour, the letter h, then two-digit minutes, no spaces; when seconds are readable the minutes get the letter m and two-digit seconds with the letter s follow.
3h42
